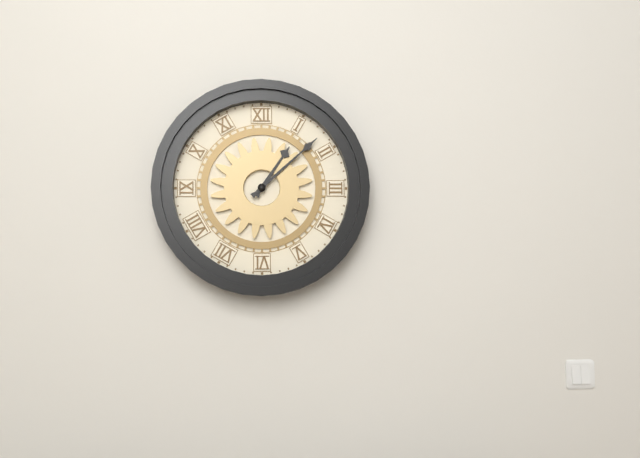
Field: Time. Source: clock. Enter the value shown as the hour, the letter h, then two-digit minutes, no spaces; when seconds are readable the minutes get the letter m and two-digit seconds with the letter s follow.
1h08
